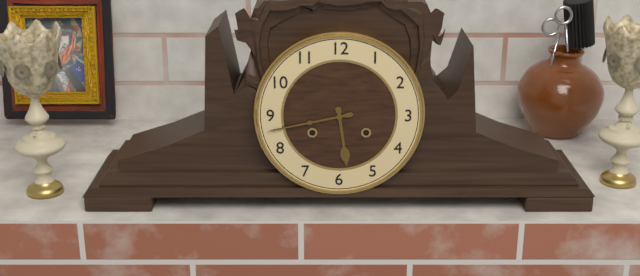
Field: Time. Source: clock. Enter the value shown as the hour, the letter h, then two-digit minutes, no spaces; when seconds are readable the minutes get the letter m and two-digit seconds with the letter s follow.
5h43
